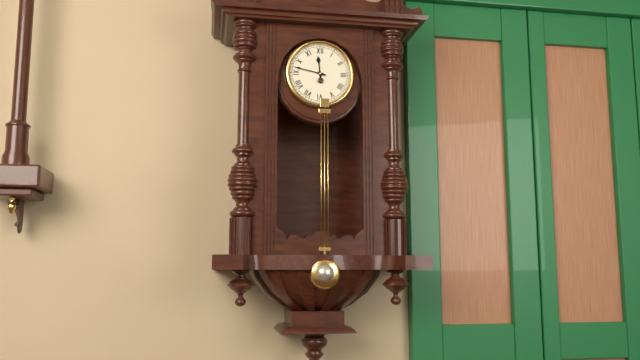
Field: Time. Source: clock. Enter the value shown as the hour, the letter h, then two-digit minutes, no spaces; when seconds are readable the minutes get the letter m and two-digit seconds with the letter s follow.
11h47
